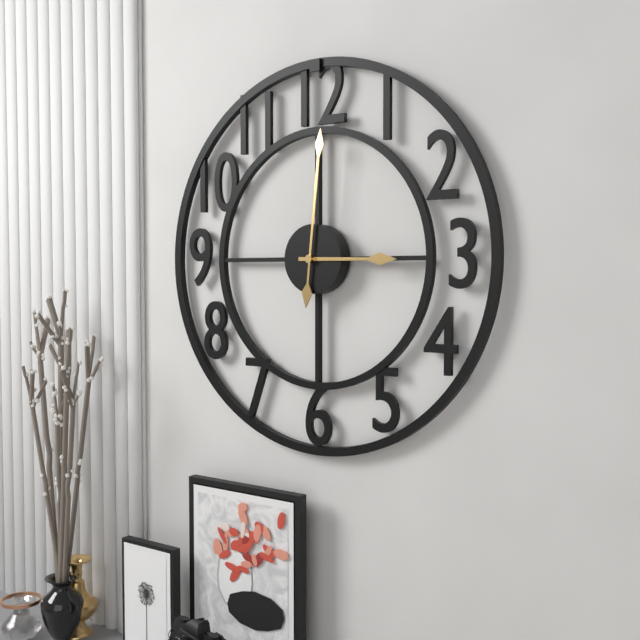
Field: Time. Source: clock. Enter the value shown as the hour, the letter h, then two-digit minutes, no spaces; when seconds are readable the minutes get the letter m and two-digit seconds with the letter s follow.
3h01
